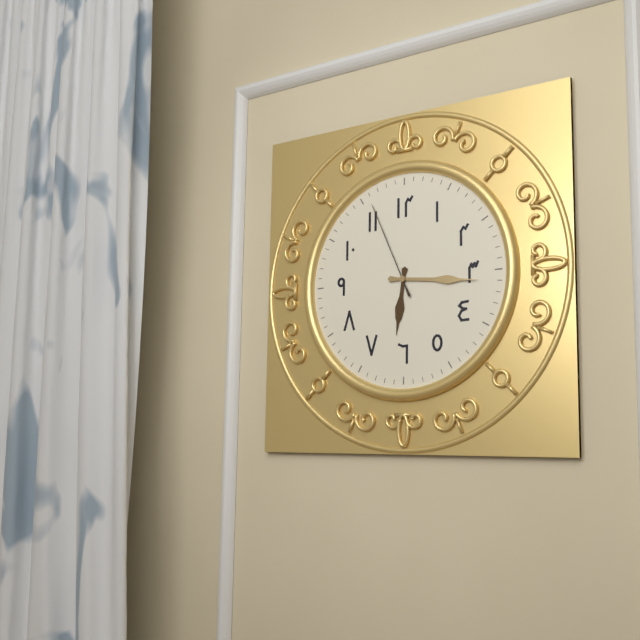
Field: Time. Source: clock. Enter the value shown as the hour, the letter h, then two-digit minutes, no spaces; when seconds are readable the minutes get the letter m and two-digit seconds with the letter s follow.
6h16m56s
